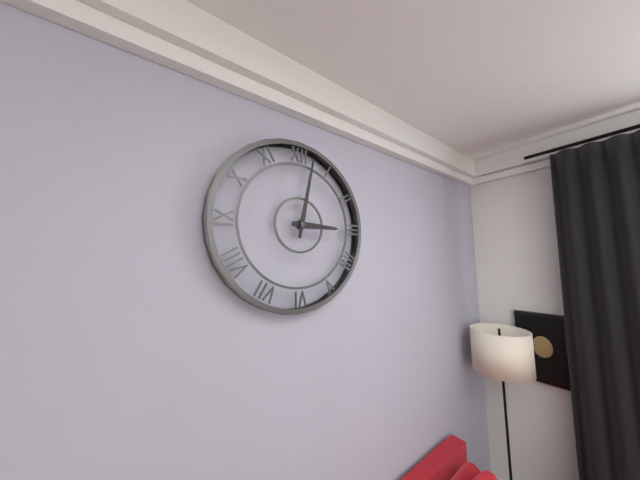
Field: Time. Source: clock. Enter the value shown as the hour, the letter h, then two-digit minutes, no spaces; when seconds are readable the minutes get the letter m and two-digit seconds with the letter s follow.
3h02
